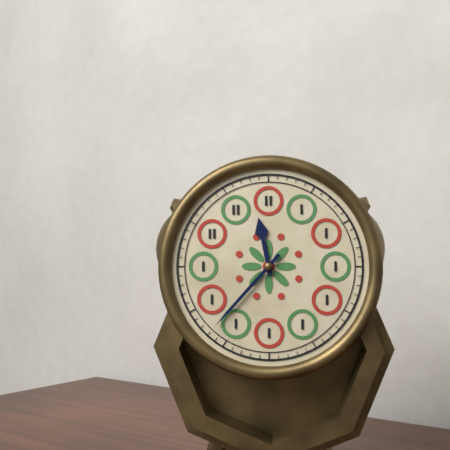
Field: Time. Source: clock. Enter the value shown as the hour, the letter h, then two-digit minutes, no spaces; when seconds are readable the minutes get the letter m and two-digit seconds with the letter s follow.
11h37
